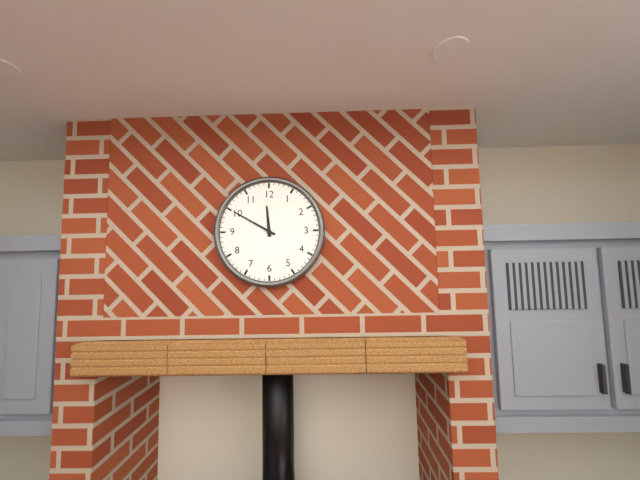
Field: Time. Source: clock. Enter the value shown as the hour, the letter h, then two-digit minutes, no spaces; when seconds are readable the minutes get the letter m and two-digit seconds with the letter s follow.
11h50
